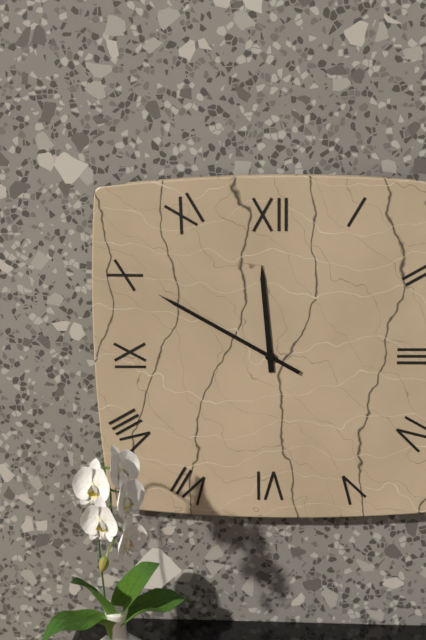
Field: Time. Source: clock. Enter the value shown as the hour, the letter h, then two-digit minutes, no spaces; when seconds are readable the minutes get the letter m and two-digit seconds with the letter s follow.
11h50
